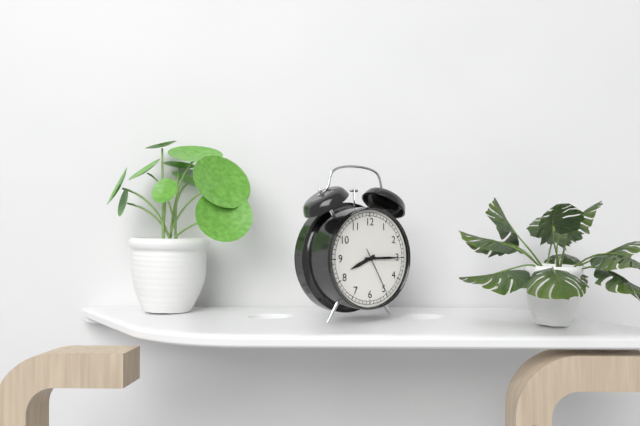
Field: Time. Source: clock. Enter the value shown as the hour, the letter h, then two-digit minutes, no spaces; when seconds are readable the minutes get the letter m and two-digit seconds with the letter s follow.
8h15
